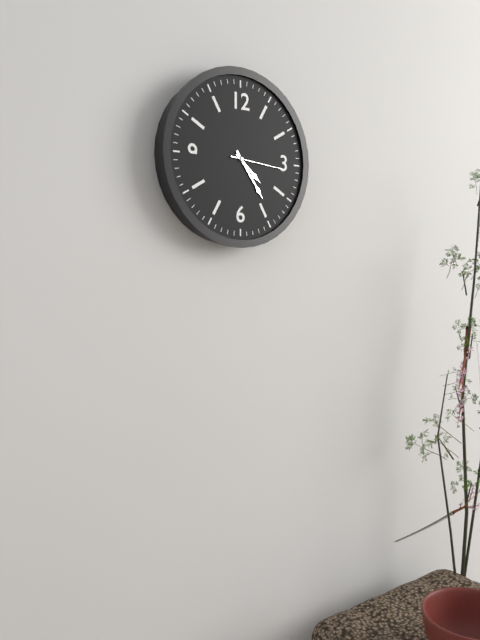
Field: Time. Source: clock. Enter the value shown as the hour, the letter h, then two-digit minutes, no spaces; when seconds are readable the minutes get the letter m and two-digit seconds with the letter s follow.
4h24m16s
